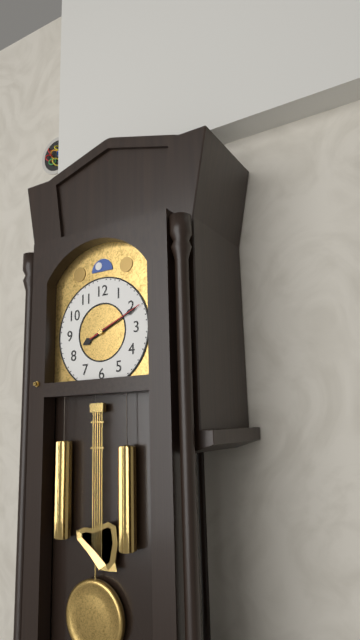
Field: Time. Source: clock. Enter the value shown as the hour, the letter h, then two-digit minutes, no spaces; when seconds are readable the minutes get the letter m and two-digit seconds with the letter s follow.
8h11m11s
